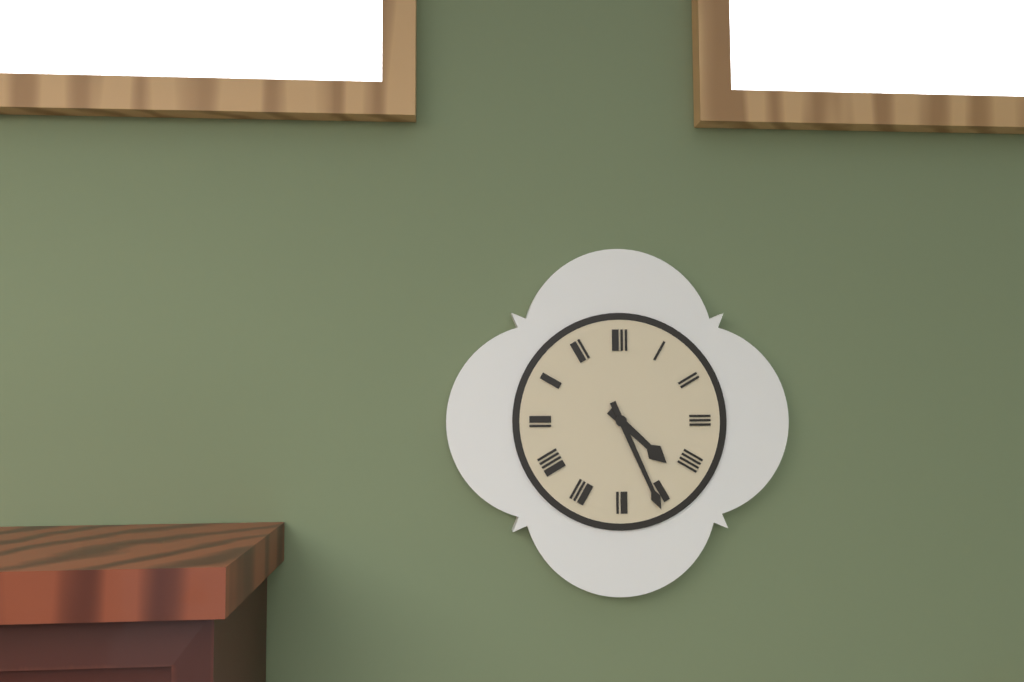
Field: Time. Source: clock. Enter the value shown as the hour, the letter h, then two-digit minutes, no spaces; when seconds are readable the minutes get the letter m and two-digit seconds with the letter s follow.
4h26
